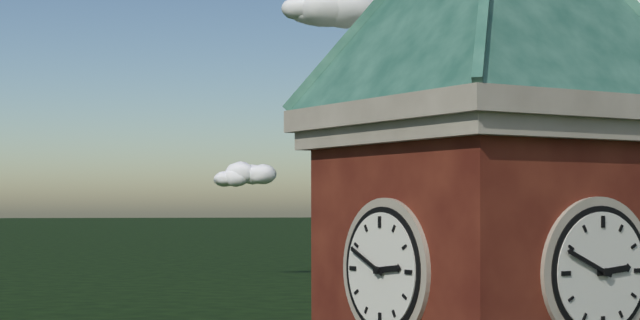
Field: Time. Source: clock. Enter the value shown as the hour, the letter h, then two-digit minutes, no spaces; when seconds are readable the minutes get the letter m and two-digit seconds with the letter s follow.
2h49
